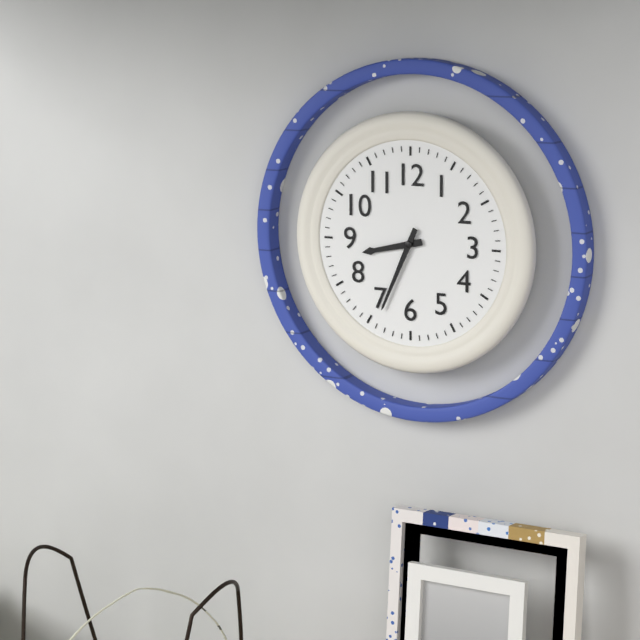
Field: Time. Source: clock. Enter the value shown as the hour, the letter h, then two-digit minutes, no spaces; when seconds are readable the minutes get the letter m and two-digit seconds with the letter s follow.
8h34
